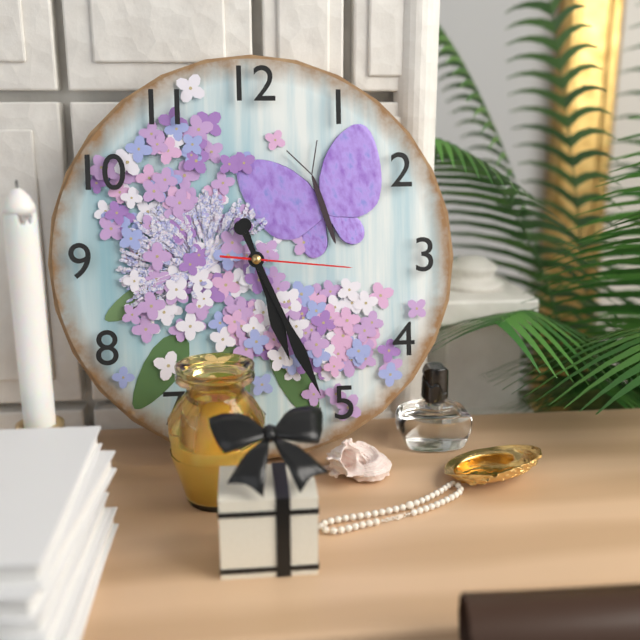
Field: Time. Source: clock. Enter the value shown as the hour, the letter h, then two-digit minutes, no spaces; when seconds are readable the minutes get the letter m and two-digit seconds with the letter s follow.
5h26m16s
